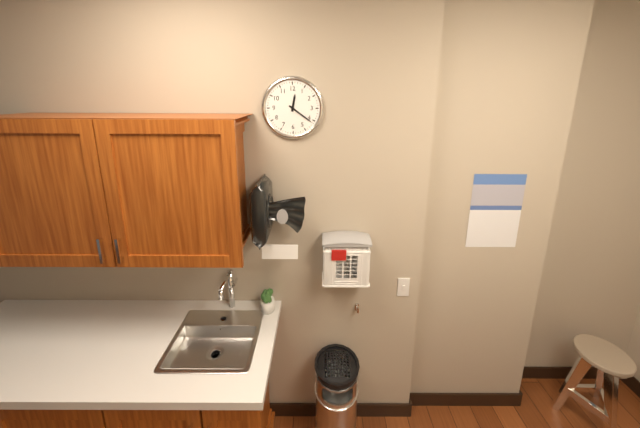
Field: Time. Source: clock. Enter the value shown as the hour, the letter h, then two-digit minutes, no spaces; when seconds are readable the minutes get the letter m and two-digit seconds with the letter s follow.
12h21
